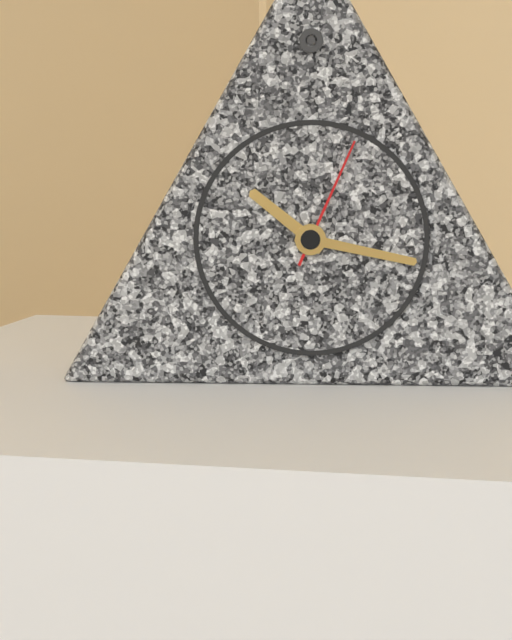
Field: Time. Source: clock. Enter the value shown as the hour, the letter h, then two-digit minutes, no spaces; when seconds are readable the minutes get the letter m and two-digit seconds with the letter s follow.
10h17m04s
